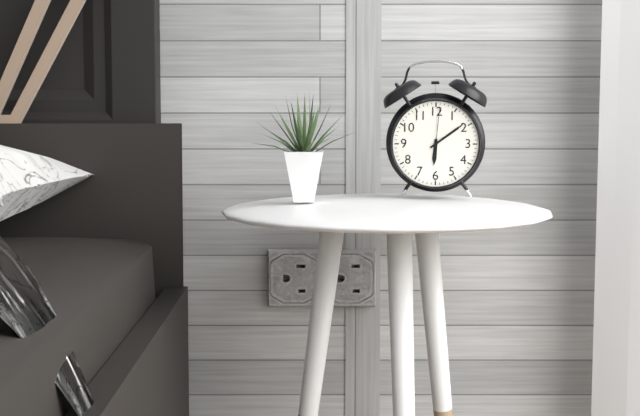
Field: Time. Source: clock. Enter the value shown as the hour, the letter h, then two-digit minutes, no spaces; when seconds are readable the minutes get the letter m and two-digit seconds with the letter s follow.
6h09
